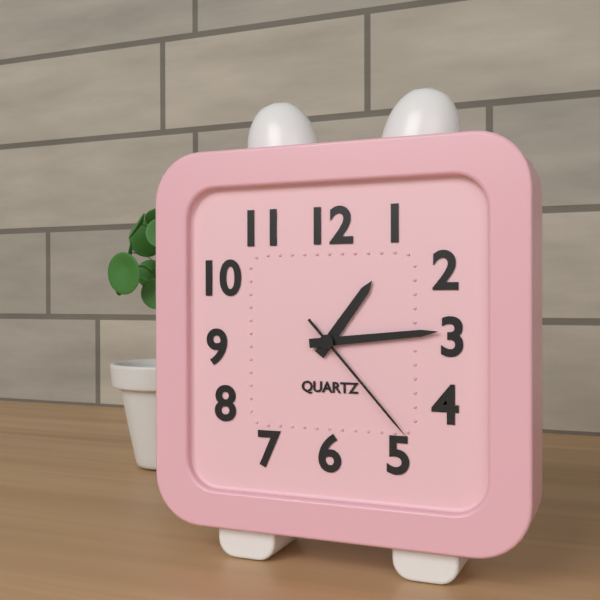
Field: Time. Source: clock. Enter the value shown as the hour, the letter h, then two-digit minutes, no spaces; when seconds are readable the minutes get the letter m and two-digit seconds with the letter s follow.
1h14m23s
